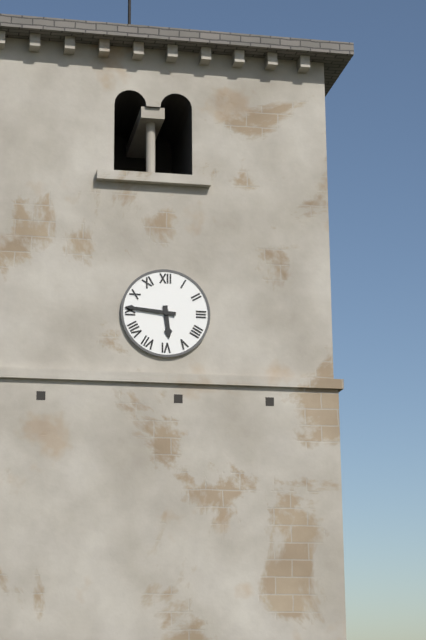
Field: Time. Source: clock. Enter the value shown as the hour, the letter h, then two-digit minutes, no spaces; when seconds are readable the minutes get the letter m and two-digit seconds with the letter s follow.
5h46
